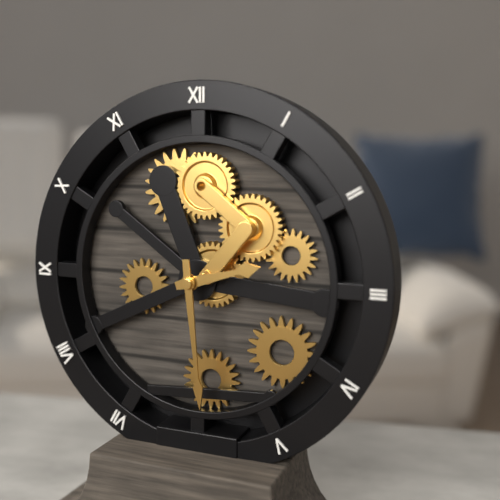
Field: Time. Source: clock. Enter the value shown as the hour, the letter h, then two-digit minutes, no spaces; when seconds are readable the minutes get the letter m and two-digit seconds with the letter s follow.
2h29
